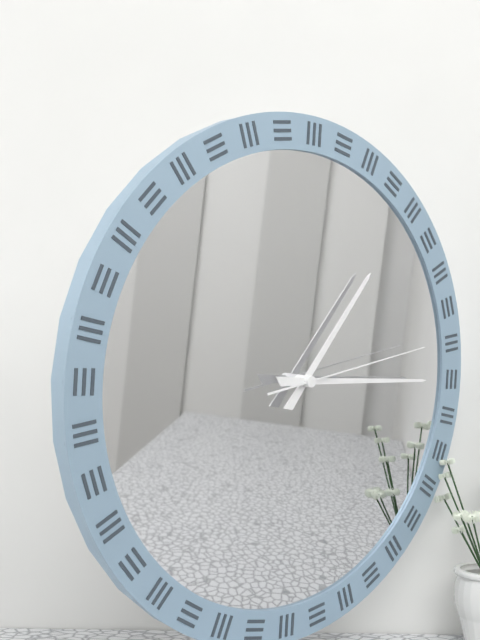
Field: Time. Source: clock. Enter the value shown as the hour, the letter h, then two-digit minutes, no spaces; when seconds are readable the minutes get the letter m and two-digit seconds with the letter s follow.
1h15m13s
